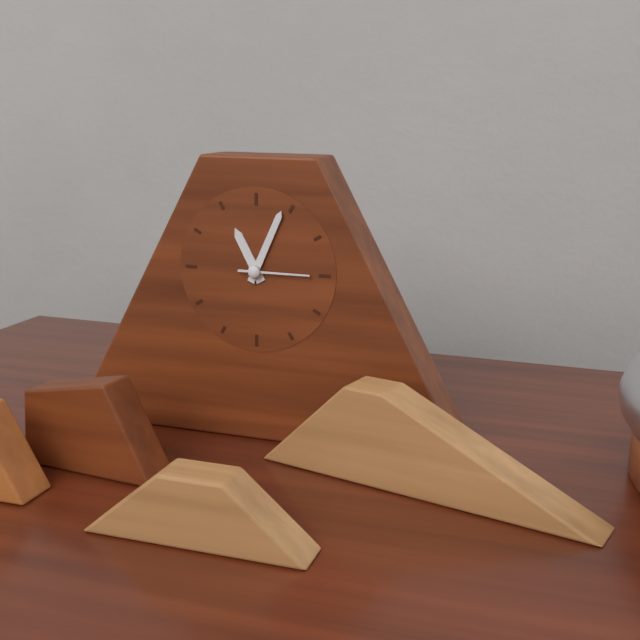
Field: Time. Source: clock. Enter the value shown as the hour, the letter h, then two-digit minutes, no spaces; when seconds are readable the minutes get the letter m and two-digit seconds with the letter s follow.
11h04m15s
